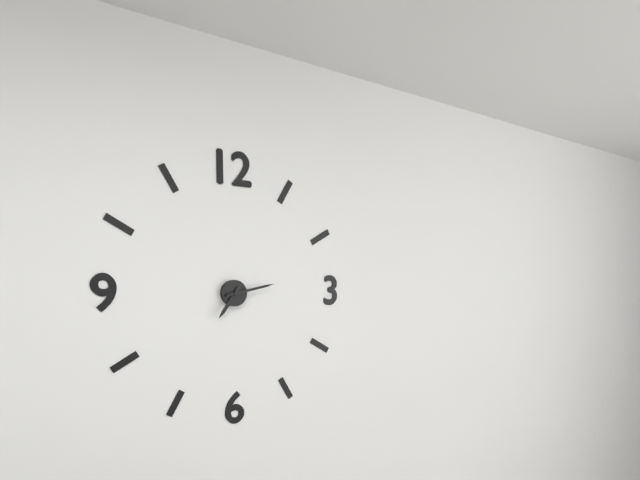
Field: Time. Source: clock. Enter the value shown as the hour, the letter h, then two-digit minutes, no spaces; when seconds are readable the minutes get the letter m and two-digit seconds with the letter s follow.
7h13
